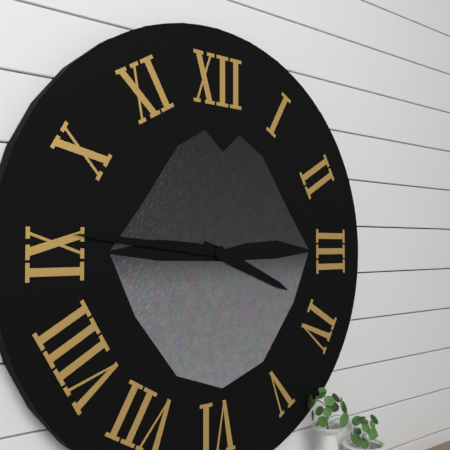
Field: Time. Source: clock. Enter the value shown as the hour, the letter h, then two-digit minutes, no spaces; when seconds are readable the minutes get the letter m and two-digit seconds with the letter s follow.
3h46
